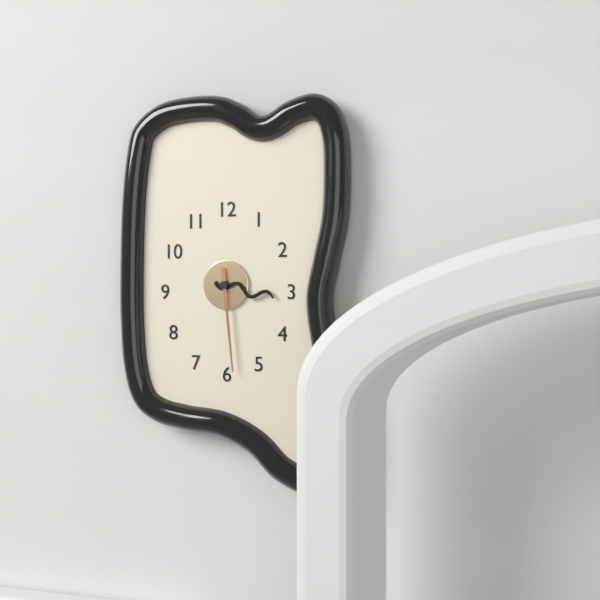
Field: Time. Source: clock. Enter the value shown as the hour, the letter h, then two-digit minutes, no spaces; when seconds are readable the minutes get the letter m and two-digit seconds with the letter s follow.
3h29
